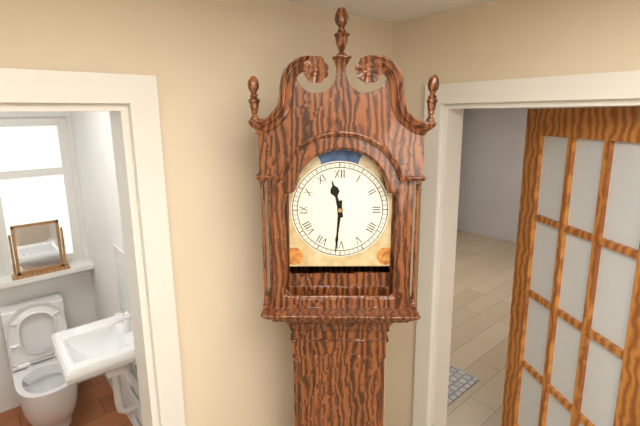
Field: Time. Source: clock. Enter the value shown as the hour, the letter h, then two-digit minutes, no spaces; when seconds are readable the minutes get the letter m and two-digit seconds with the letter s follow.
11h31
